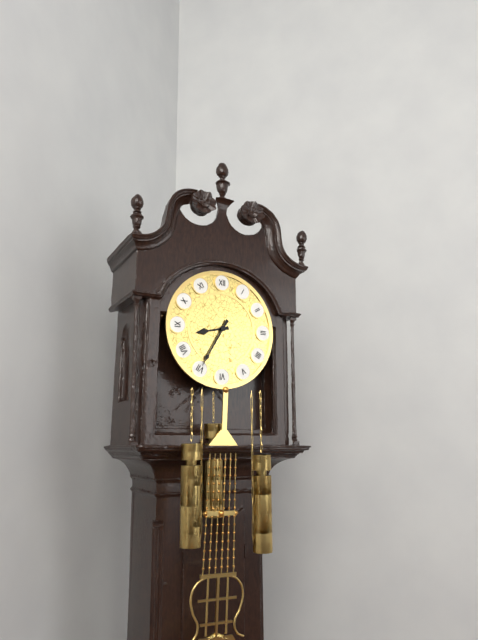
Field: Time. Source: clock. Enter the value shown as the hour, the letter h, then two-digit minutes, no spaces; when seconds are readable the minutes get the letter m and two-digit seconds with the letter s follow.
8h35
